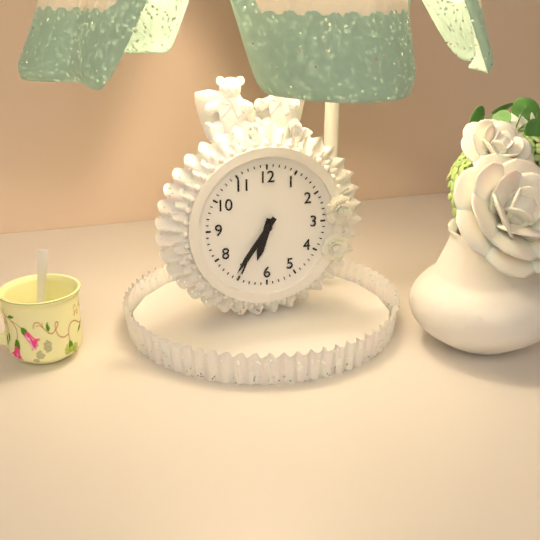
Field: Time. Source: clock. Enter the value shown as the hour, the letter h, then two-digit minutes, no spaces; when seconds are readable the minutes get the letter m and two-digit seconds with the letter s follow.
6h36
